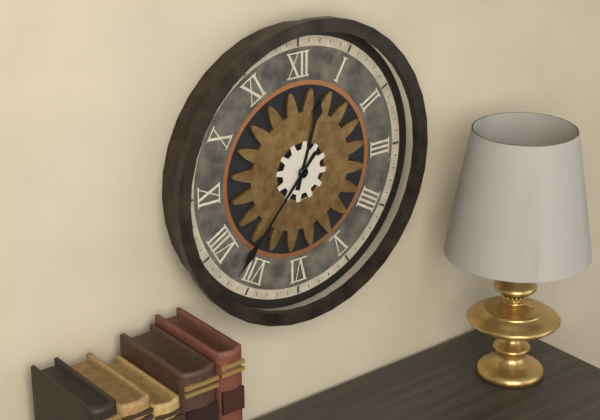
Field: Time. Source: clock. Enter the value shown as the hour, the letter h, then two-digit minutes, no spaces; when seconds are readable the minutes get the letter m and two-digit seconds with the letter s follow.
12h37
